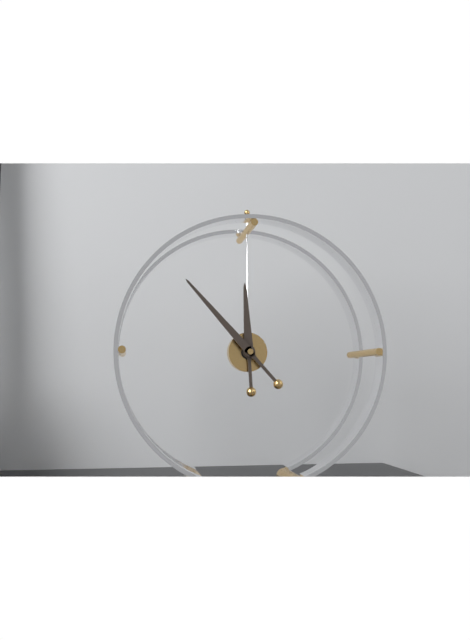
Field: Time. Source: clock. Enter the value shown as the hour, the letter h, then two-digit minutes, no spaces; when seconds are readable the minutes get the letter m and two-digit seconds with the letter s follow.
11h53
